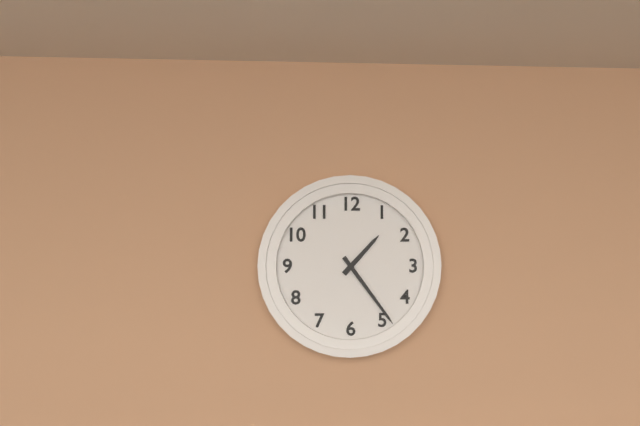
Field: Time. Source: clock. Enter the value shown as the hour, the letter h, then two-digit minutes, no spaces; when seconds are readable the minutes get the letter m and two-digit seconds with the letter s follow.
1h24
